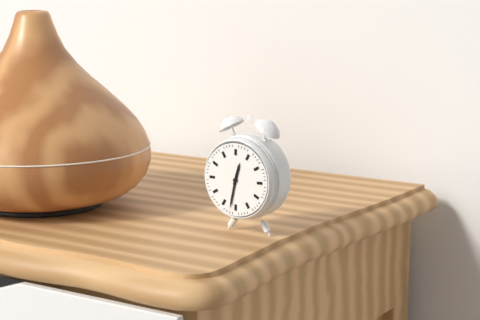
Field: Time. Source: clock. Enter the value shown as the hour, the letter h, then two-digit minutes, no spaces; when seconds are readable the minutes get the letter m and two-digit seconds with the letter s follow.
12h32
